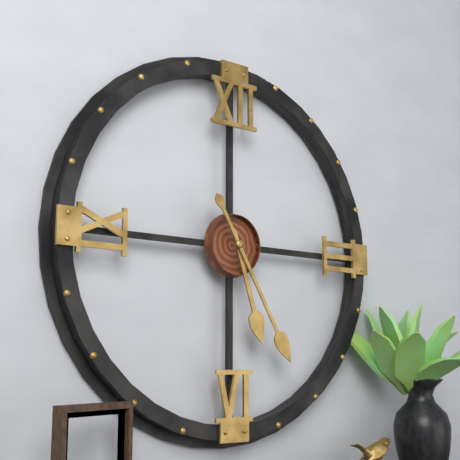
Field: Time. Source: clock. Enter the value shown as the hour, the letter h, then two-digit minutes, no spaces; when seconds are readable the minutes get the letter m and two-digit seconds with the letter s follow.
5h25
